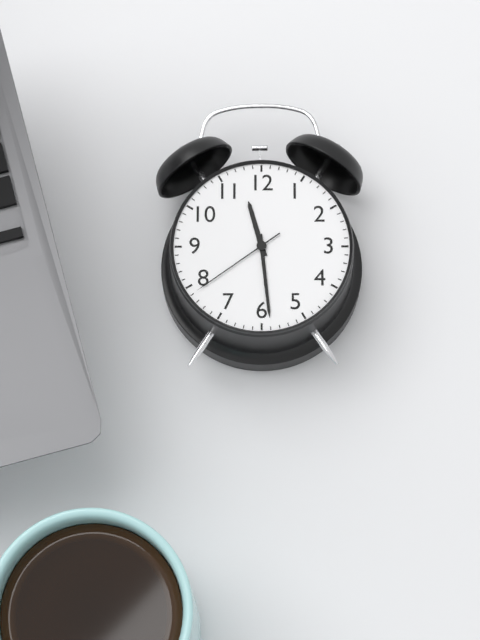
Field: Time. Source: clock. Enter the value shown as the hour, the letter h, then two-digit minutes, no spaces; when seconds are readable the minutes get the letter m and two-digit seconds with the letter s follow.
11h29m39s
